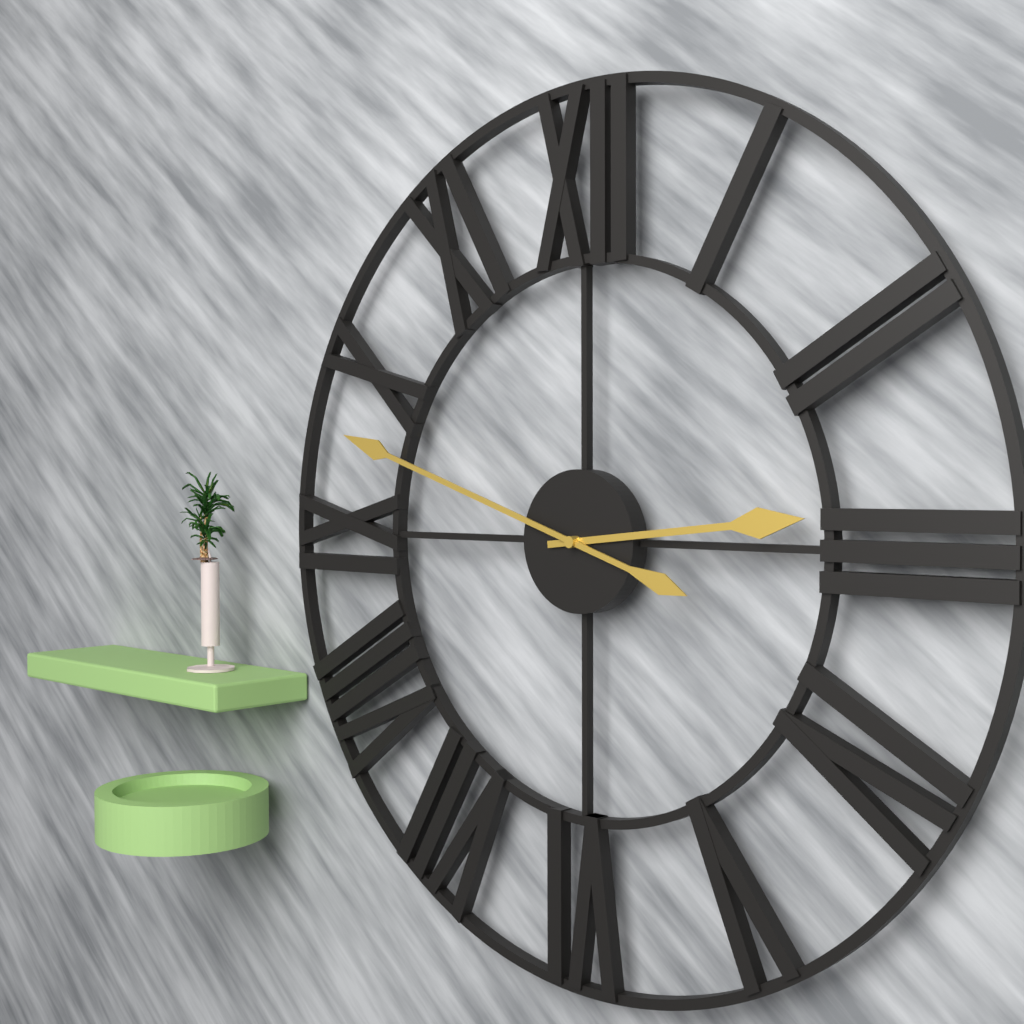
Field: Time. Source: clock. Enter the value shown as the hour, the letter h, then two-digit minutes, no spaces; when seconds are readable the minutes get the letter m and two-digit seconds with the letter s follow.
2h48
